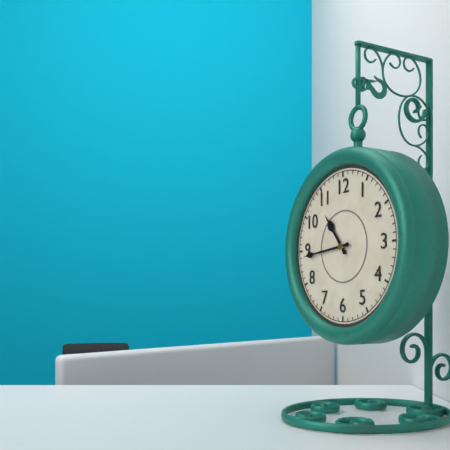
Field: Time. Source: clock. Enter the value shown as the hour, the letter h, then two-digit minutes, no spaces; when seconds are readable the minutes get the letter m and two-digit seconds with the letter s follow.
10h44
